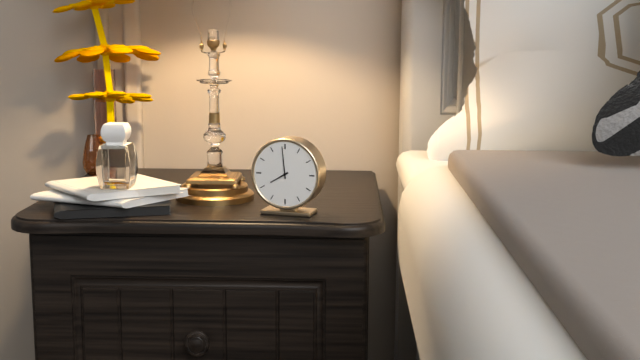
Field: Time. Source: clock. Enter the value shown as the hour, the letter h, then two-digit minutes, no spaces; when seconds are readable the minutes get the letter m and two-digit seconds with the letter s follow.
7h59
